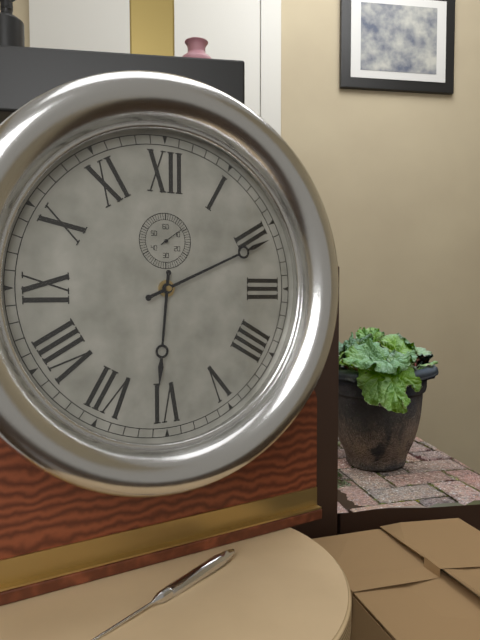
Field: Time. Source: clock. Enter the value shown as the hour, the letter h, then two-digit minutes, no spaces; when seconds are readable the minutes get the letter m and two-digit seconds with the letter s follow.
6h11
